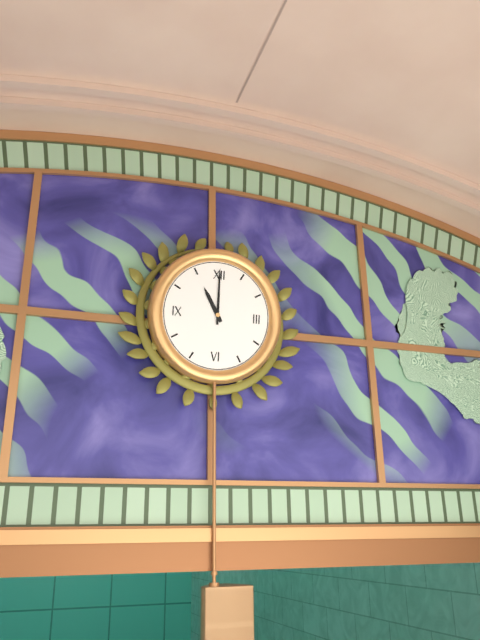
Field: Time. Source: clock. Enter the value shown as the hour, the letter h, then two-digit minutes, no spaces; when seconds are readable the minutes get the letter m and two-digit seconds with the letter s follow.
11h00
